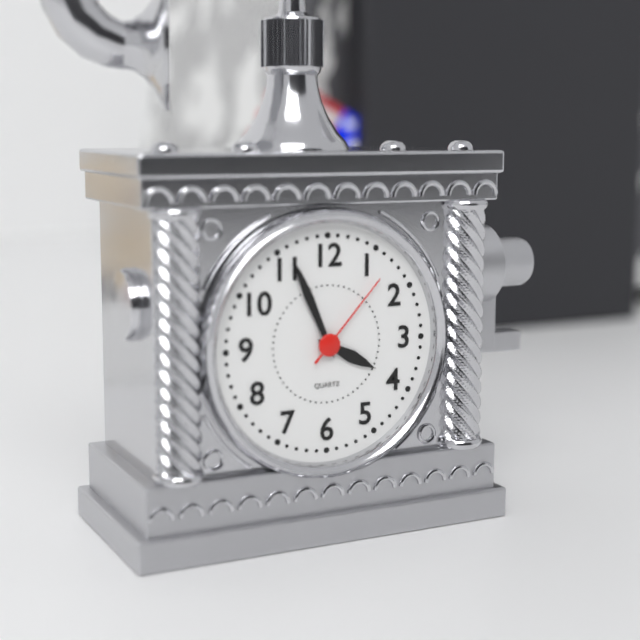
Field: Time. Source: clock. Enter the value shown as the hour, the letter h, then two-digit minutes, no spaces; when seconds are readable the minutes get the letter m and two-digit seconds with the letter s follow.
3h56m07s
